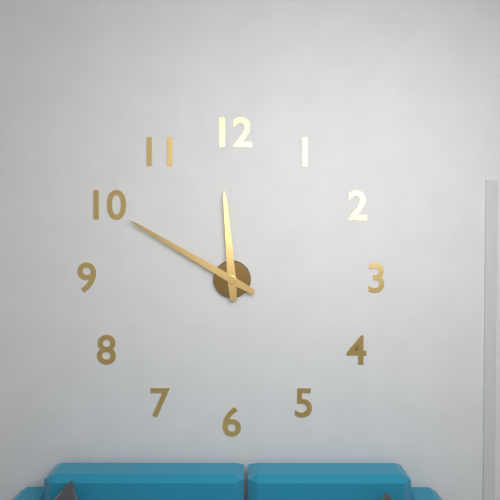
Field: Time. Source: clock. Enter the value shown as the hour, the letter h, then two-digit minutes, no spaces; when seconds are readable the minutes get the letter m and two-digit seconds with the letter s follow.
11h50
